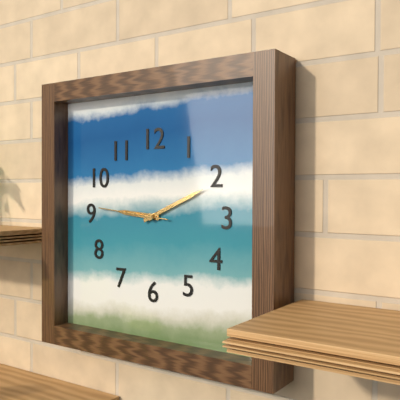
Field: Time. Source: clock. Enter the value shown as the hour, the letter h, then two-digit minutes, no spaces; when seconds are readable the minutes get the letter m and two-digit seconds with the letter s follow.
9h11m46s
